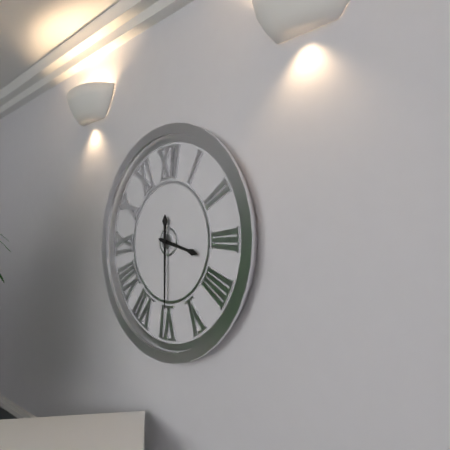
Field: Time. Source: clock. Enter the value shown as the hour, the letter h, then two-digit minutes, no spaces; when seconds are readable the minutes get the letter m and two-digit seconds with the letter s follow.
3h30
